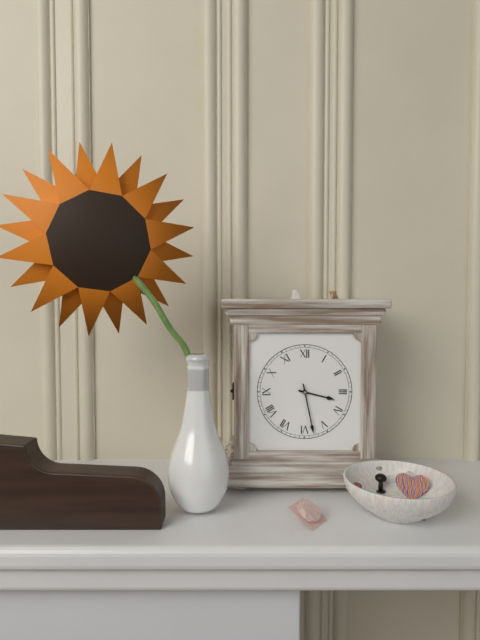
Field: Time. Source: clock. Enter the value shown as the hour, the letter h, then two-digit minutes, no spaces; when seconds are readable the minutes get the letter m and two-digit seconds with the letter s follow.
3h28
